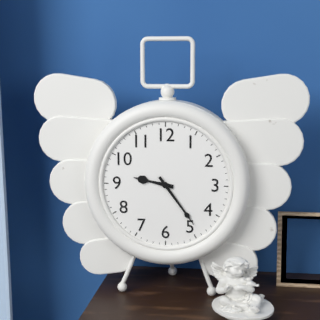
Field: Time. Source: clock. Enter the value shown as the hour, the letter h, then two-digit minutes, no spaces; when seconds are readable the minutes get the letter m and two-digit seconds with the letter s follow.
9h24
